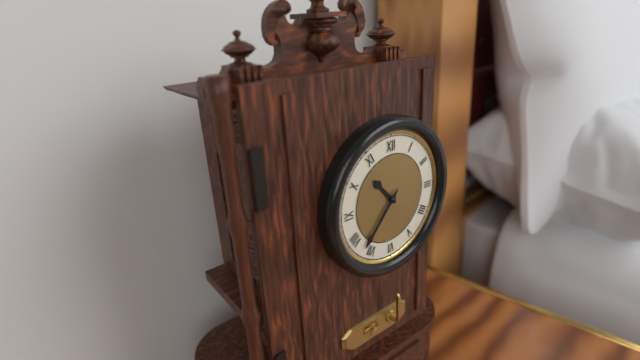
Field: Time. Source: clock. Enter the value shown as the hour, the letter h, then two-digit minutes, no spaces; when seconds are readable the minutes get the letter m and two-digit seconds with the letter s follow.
10h37
